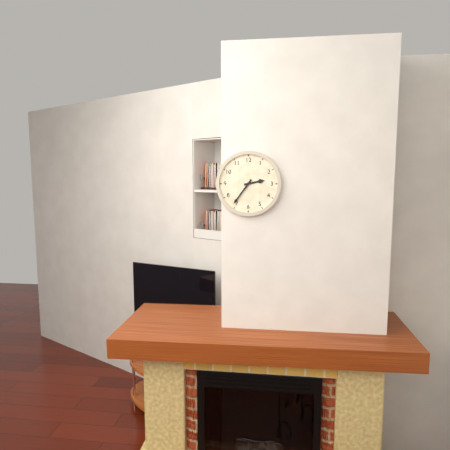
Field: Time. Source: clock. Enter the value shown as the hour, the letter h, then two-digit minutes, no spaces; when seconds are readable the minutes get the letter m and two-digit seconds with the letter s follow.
2h36
